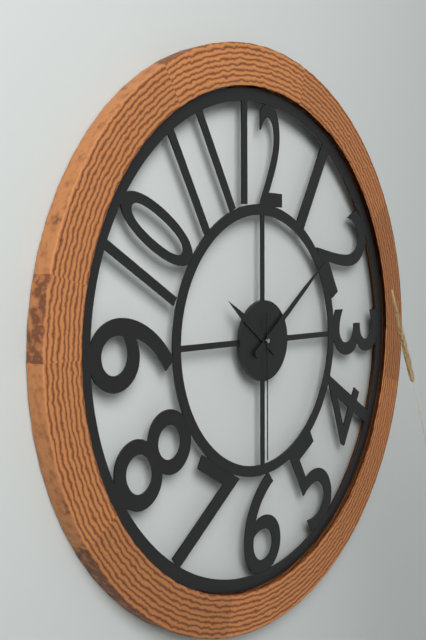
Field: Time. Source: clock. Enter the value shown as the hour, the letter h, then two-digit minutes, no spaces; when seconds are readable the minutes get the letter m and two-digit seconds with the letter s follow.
10h09m30s
